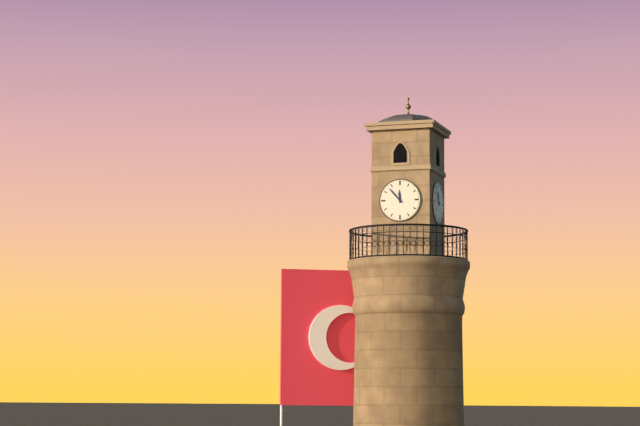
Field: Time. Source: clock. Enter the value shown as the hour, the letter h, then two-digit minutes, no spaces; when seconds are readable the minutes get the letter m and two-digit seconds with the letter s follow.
11h53
